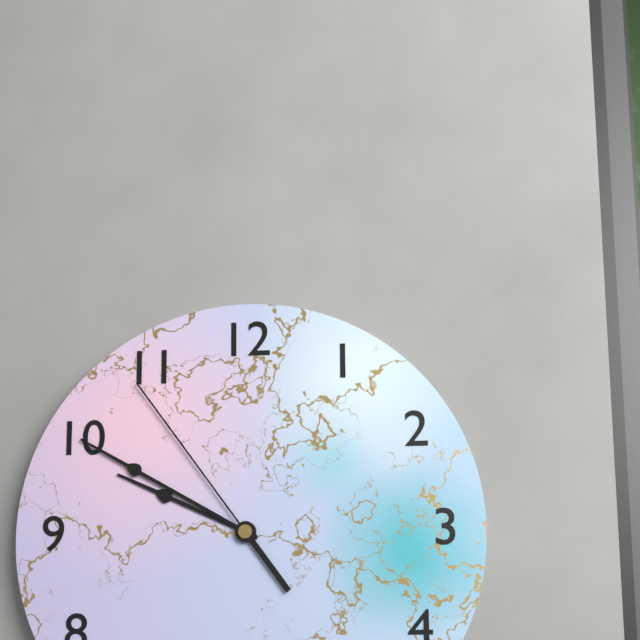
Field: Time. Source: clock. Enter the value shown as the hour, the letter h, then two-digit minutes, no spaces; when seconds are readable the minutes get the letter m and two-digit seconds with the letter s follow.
9h50m54s
